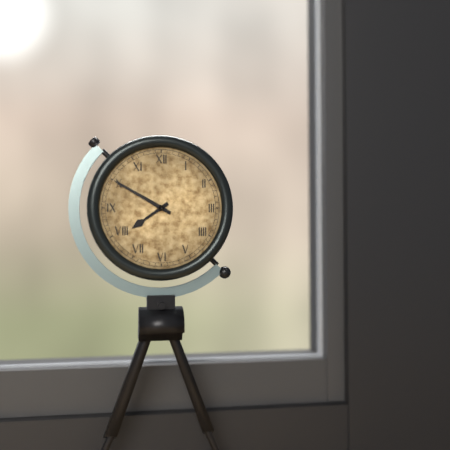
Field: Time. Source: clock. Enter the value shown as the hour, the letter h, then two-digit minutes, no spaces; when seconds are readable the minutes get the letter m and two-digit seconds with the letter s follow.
7h50
